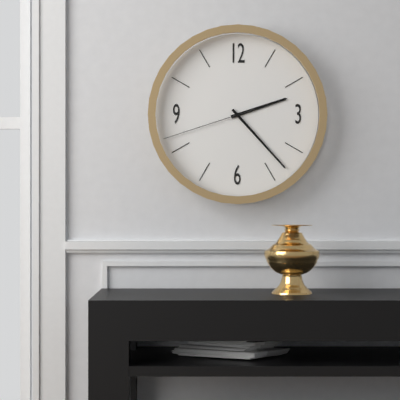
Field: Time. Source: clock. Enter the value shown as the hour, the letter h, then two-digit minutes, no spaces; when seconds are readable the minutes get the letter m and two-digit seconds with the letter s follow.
2h23m42s
